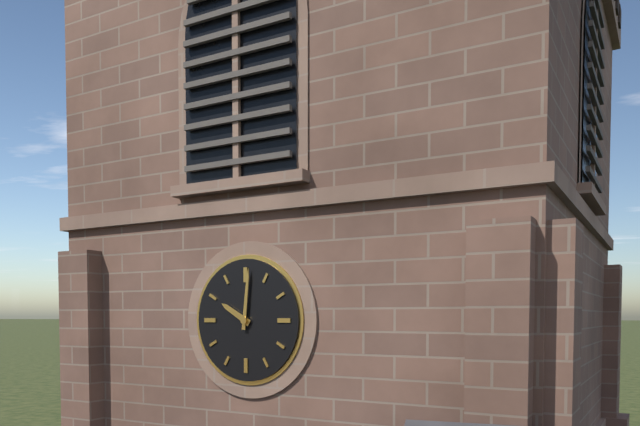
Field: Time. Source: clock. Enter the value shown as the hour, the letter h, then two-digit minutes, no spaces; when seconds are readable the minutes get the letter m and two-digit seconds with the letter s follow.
10h01
